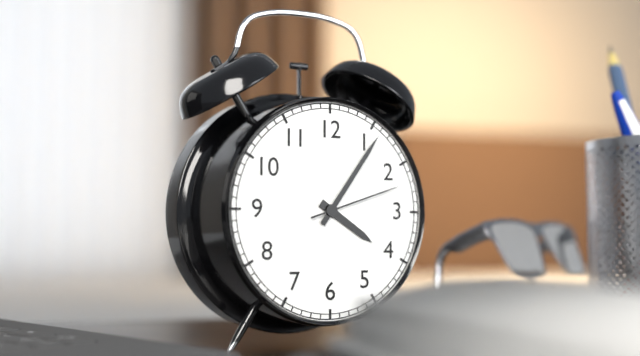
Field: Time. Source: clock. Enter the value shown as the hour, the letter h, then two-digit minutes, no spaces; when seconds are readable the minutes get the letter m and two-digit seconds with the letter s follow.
4h06m12s
